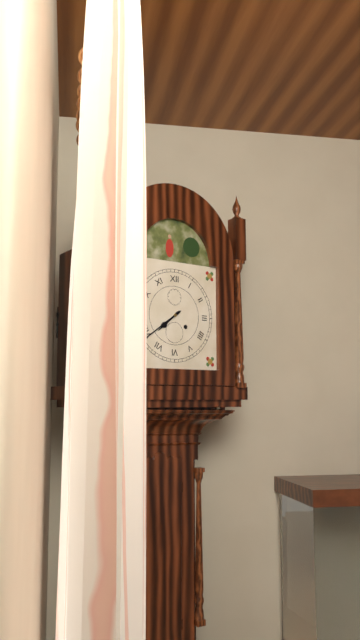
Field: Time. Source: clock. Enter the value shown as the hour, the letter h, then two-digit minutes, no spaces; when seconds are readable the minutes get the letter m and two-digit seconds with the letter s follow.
7h39
